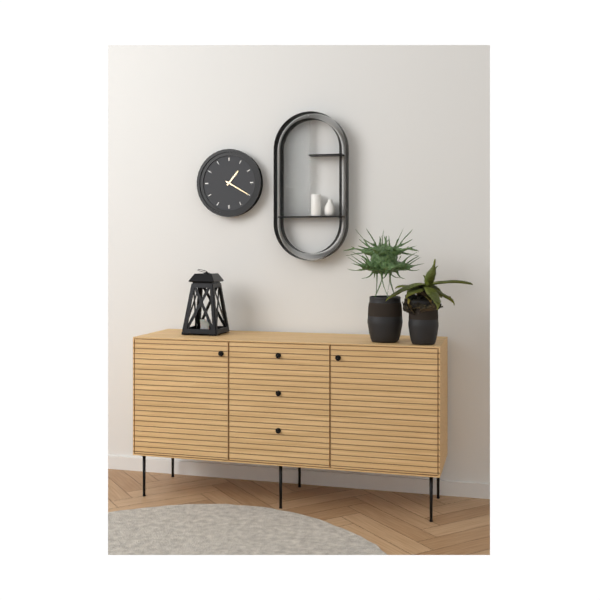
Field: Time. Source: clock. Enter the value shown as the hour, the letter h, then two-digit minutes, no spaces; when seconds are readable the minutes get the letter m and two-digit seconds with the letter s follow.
1h20
